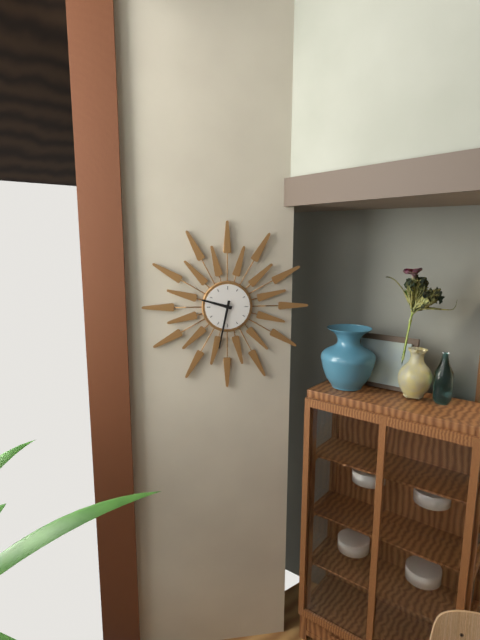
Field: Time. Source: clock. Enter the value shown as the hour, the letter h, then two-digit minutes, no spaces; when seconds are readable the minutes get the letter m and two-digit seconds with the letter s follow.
9h32
